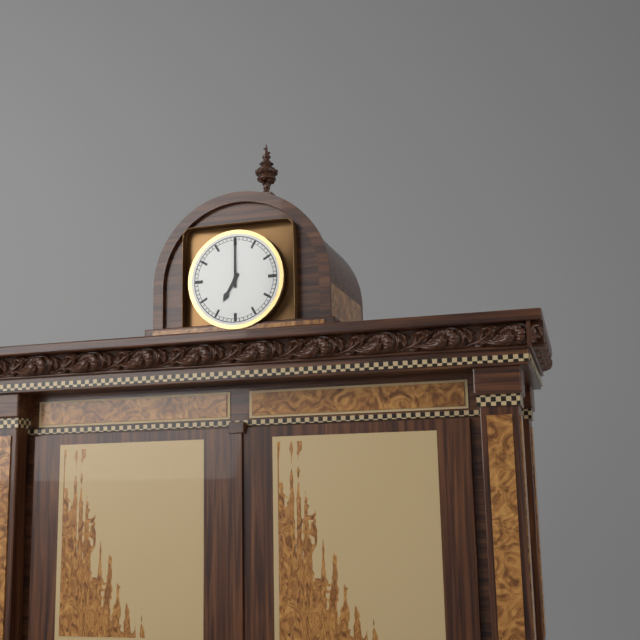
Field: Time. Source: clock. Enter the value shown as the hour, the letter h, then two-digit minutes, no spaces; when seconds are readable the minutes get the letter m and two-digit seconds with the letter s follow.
7h00
